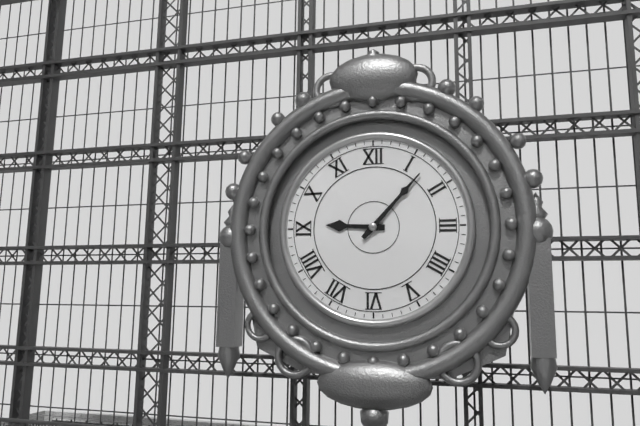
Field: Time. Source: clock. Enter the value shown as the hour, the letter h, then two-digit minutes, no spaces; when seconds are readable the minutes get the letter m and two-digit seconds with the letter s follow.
9h07
